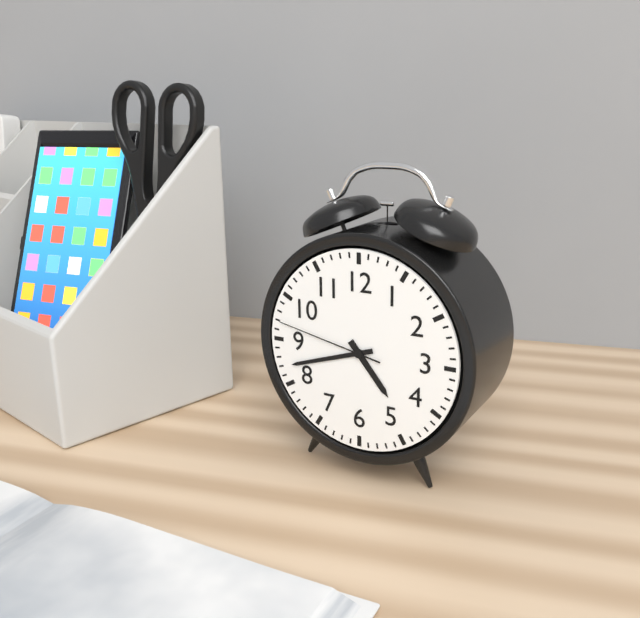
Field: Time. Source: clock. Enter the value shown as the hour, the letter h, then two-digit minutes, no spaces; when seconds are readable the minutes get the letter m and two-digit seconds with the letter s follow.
4h42m47s
